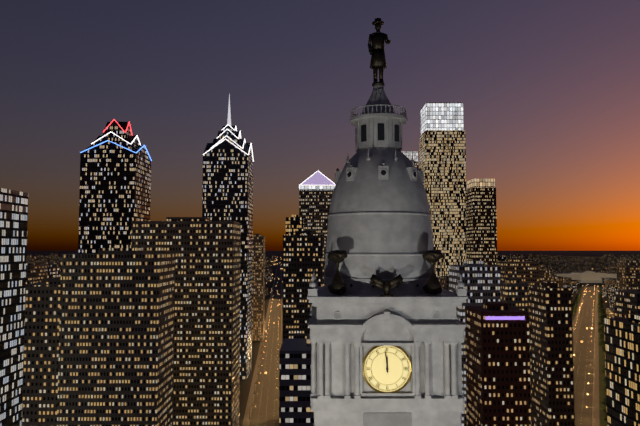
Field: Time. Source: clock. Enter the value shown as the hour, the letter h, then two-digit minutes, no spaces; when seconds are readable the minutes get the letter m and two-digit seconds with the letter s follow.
11h59
